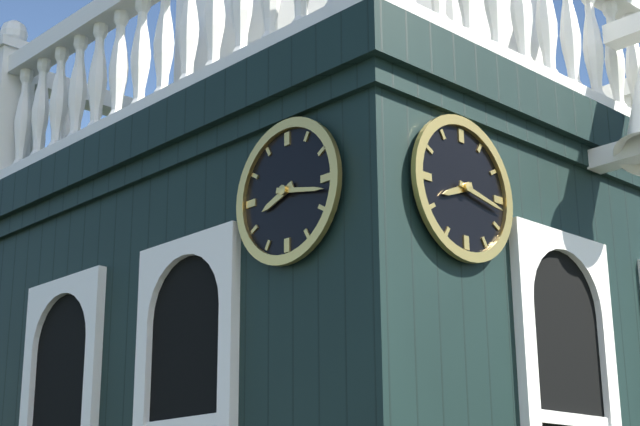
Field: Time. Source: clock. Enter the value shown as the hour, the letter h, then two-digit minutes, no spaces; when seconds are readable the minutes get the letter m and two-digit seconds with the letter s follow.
8h17
